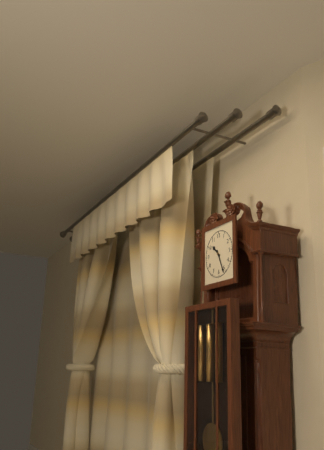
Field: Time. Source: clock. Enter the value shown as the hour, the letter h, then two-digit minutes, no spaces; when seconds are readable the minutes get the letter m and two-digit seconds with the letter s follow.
10h26
